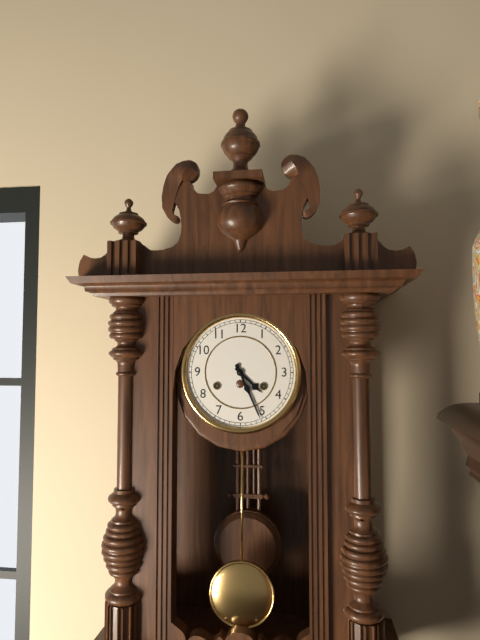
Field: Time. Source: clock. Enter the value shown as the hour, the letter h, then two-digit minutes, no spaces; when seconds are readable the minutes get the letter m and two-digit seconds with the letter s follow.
4h26
